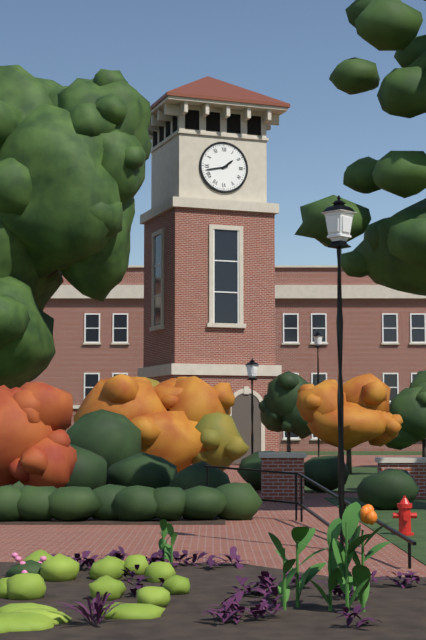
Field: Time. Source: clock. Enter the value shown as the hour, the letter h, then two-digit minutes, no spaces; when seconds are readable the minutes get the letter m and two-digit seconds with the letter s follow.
1h43
